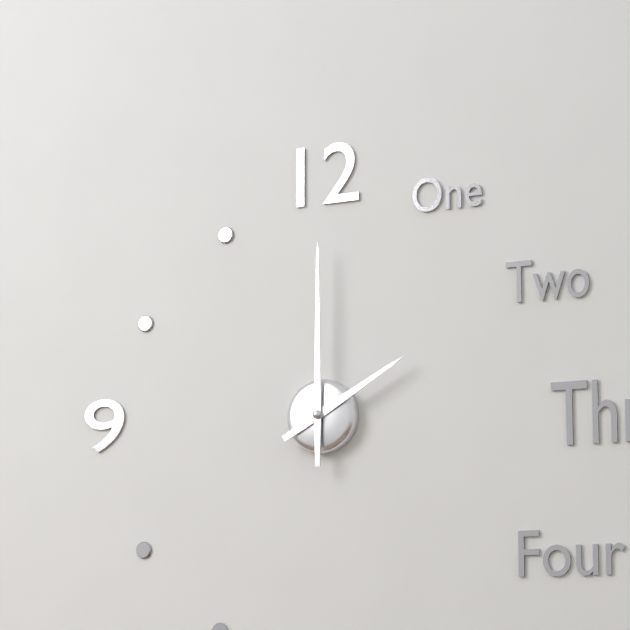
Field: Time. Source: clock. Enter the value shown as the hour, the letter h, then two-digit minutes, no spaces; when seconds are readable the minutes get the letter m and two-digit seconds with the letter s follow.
2h00
